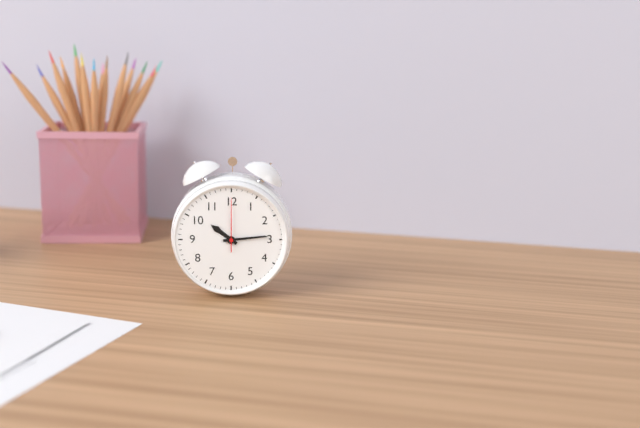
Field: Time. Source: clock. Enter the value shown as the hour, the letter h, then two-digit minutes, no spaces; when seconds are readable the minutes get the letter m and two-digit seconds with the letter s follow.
10h14m00s
